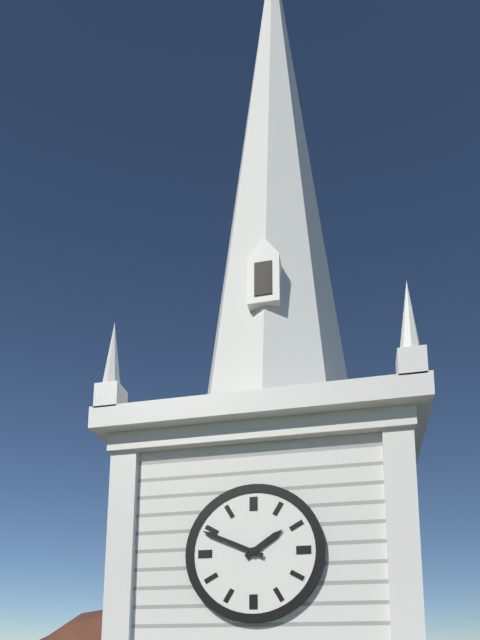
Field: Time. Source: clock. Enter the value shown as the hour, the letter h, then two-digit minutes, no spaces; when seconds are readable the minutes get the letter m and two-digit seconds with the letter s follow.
1h49
